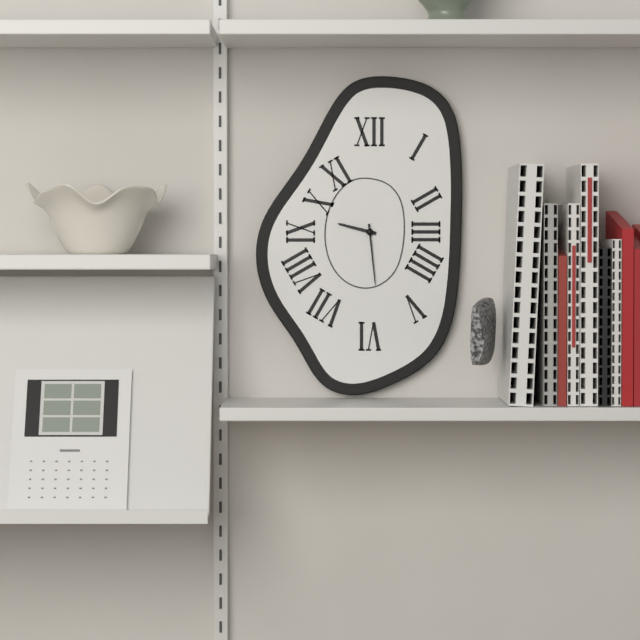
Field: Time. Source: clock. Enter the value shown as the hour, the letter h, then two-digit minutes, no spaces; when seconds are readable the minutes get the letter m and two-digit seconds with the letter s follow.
9h29
